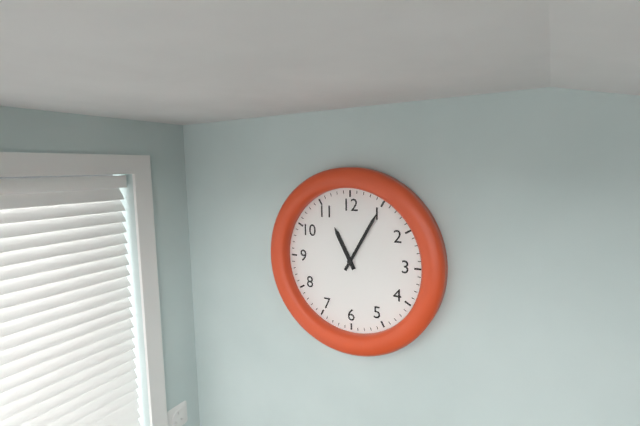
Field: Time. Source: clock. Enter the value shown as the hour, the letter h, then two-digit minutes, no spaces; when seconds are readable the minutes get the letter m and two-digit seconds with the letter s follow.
11h05
